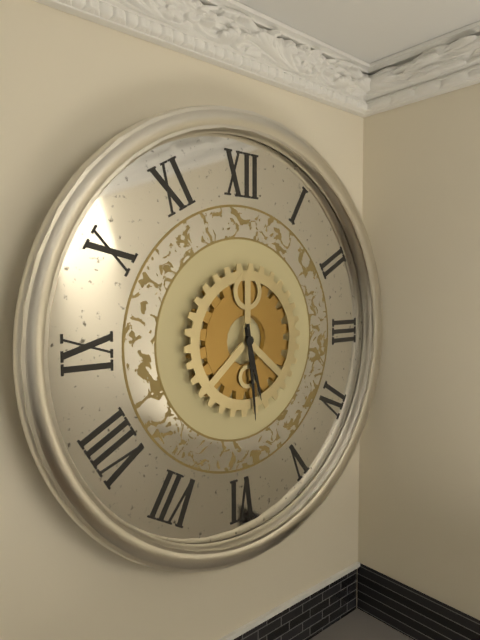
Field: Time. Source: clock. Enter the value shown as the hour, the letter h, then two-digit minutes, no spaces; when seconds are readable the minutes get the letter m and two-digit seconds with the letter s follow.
5h29
